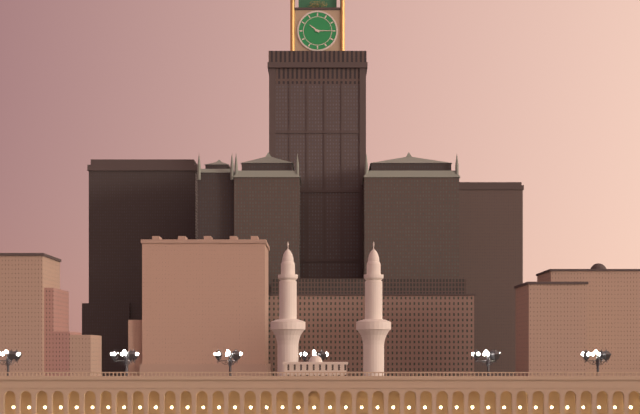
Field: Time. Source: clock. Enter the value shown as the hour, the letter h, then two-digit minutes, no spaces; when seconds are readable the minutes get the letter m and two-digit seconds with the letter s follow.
10h15
